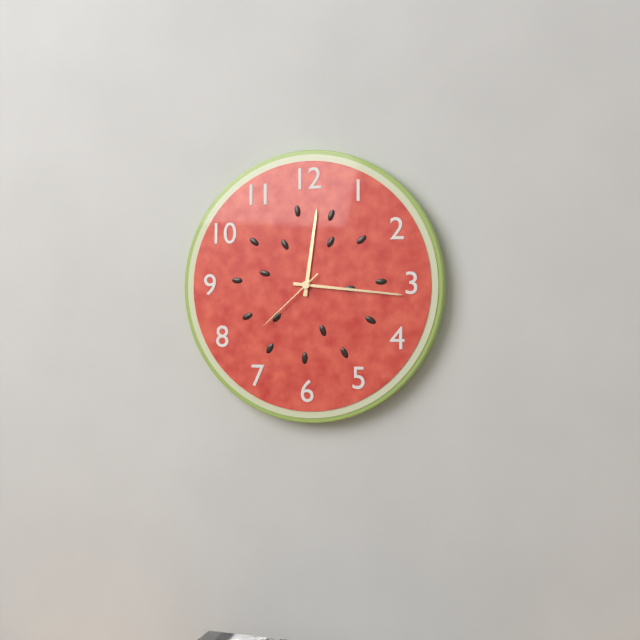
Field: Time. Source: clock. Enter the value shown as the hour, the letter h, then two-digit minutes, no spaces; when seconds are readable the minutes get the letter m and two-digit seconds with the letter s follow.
12h16m38s
